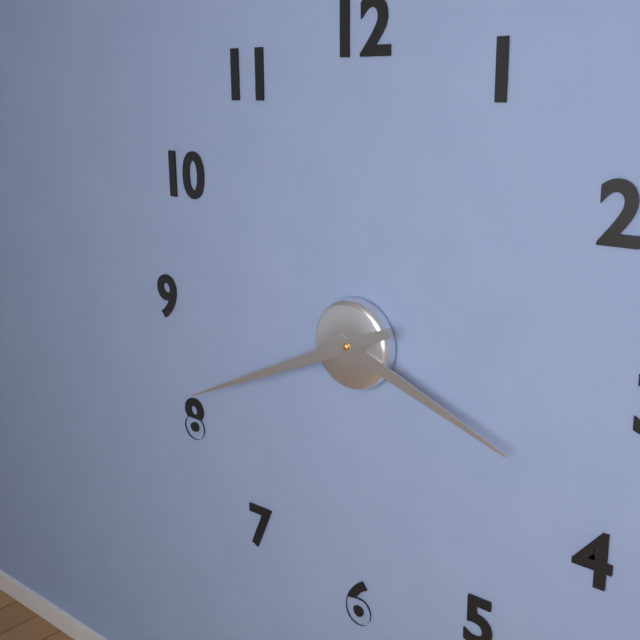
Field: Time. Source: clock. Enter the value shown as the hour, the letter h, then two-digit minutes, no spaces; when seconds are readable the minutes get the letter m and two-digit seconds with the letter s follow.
3h41
